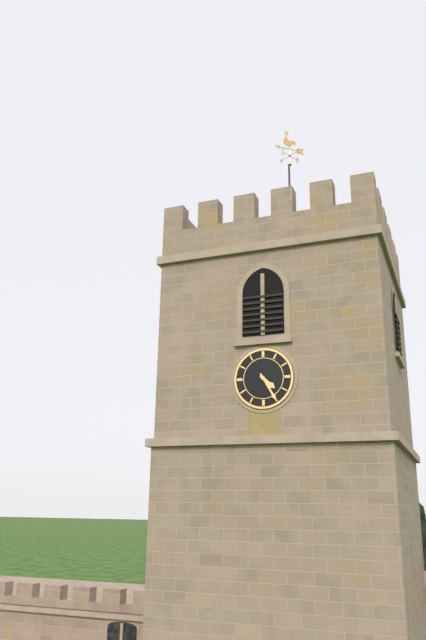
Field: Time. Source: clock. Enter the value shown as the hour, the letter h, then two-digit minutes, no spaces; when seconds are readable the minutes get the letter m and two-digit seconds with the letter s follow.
4h25
